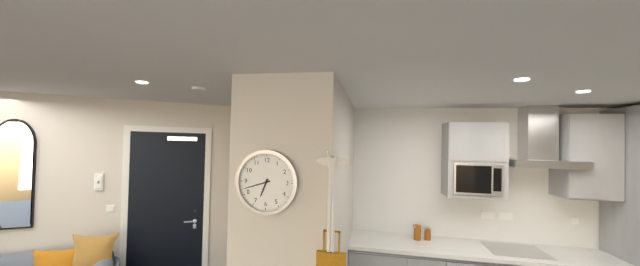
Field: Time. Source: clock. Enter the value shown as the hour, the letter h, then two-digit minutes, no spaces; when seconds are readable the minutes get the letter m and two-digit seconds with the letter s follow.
6h42
